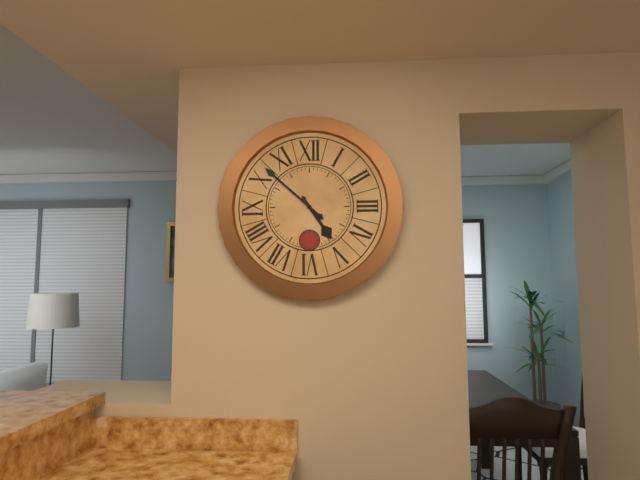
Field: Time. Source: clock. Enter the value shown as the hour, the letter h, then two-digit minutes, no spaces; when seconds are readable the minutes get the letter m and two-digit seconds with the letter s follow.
4h52
